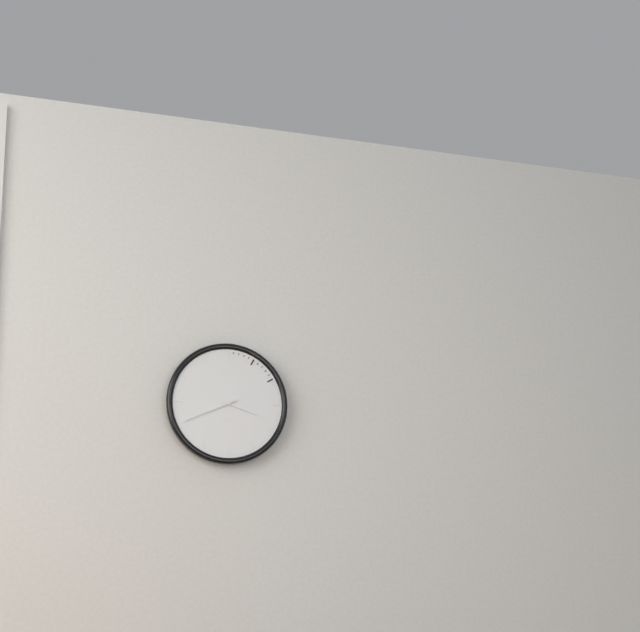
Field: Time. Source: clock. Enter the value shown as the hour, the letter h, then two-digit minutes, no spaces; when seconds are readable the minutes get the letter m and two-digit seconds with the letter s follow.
3h41
